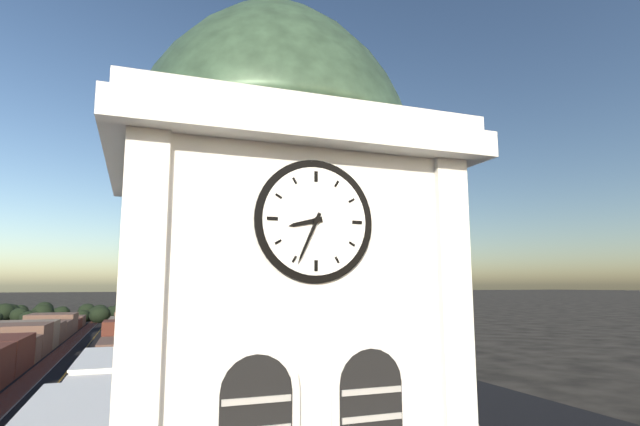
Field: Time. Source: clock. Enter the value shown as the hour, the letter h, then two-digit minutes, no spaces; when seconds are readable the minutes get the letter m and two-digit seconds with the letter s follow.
8h34
